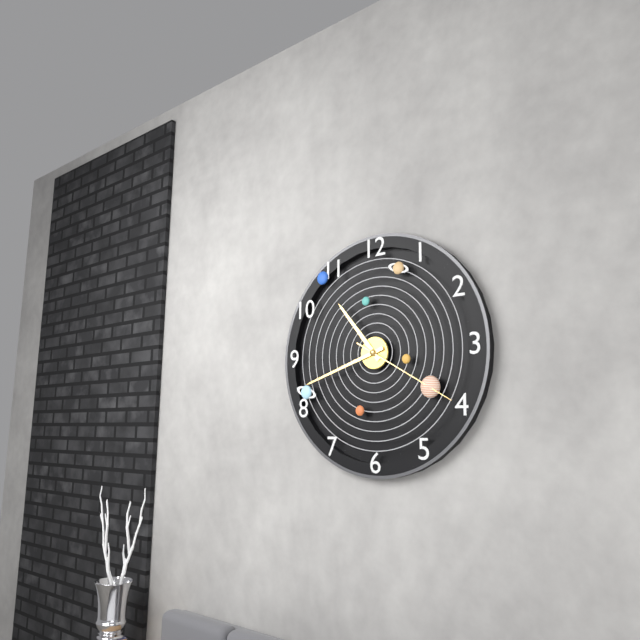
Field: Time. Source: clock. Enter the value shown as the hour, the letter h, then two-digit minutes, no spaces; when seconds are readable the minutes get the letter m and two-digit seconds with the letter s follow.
10h42m20s
